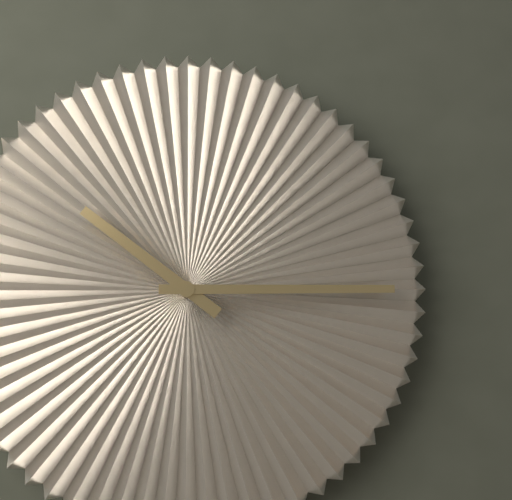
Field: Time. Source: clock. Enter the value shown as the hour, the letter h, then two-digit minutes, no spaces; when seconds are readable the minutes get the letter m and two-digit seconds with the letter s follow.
10h15
